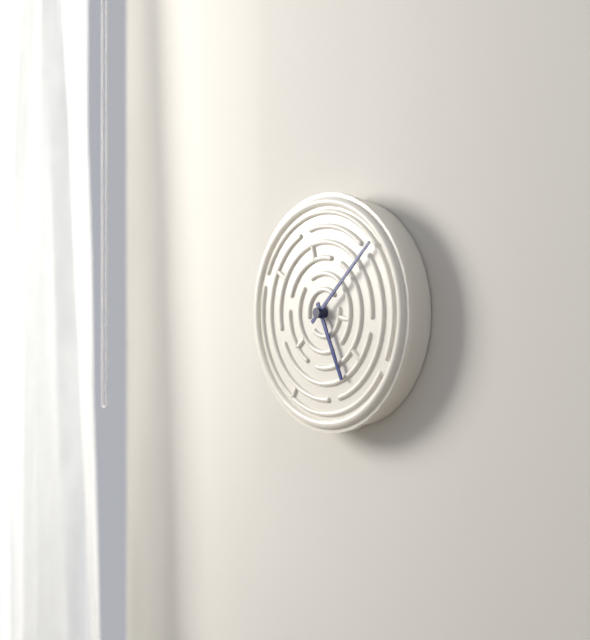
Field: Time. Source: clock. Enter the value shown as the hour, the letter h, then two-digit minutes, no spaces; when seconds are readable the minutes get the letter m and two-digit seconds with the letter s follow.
5h08
